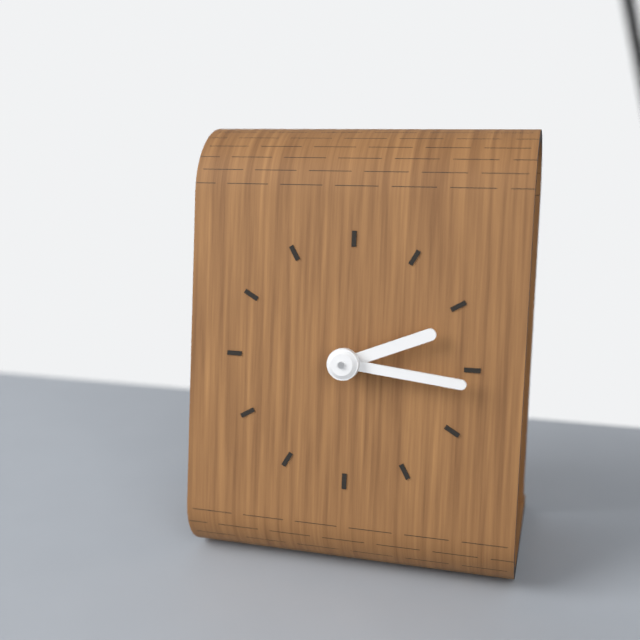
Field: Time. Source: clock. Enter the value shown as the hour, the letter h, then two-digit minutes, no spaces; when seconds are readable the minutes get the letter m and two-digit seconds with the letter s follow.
2h16
